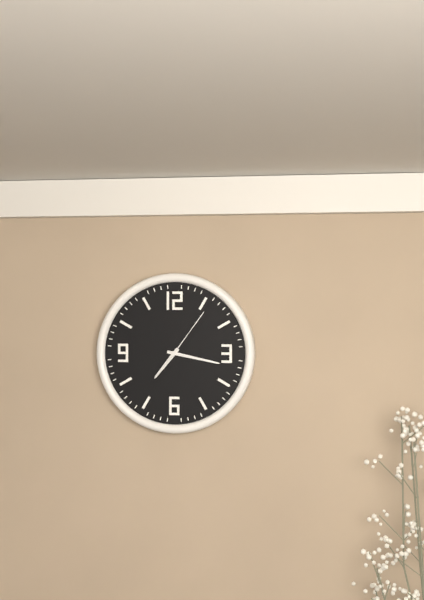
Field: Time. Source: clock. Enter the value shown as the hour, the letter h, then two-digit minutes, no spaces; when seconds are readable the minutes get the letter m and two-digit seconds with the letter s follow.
7h17m06s
